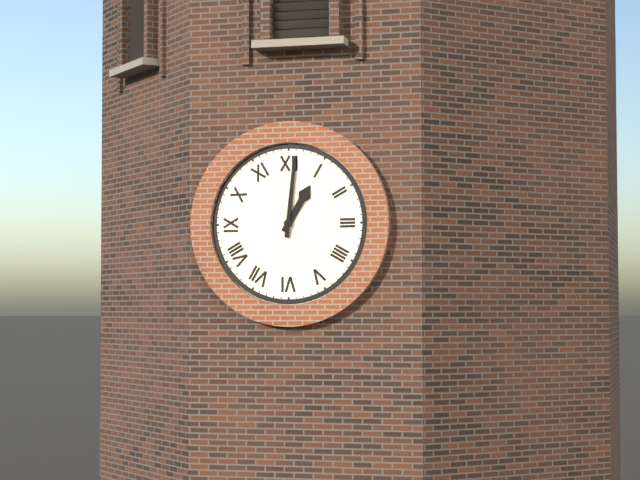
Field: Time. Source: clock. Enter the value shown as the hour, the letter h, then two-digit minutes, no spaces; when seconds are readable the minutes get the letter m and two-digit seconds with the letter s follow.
1h01
